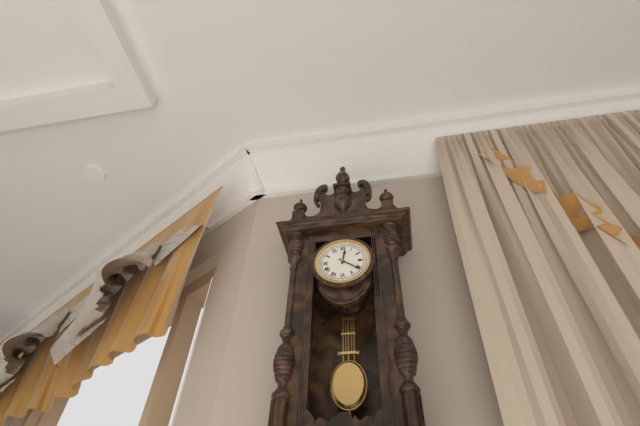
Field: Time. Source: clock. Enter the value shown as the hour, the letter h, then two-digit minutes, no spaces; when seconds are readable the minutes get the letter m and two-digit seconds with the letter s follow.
12h21
